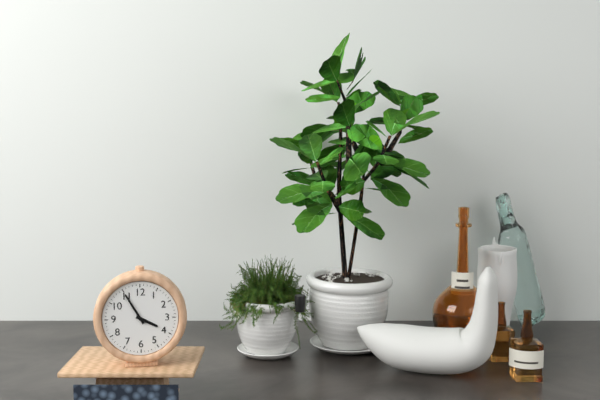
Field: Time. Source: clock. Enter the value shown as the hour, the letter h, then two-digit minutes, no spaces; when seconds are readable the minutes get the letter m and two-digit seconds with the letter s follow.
3h55
